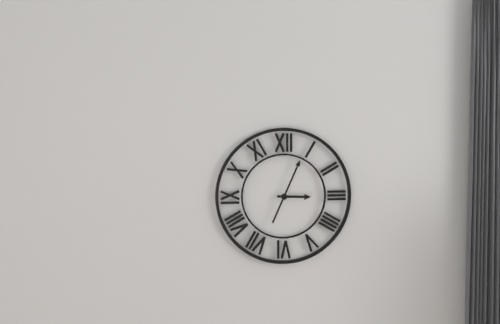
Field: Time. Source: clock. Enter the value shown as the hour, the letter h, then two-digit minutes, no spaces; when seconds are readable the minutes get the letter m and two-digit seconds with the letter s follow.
3h04
